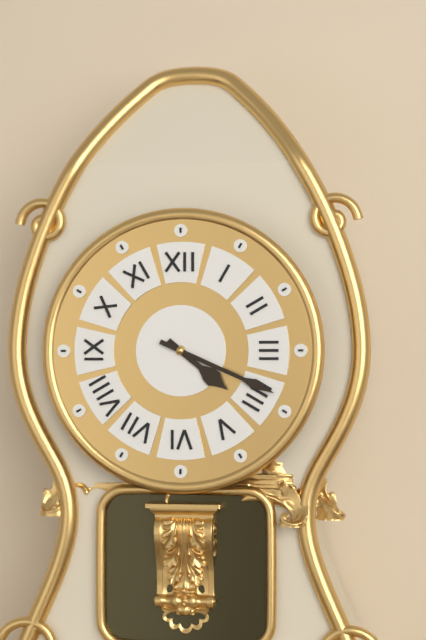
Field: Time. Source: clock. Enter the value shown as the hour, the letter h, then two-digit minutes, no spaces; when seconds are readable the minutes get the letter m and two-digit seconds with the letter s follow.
4h19
